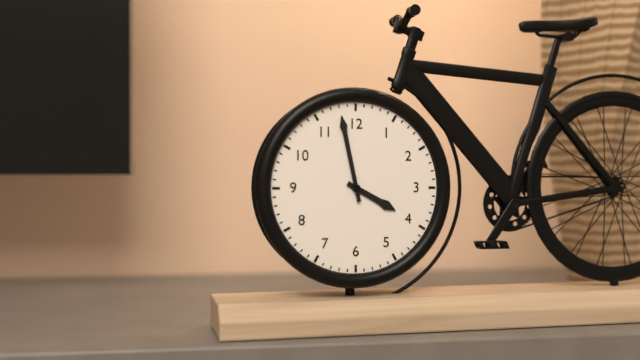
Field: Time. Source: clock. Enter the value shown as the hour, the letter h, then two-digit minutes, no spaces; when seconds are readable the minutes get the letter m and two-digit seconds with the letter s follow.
3h58
